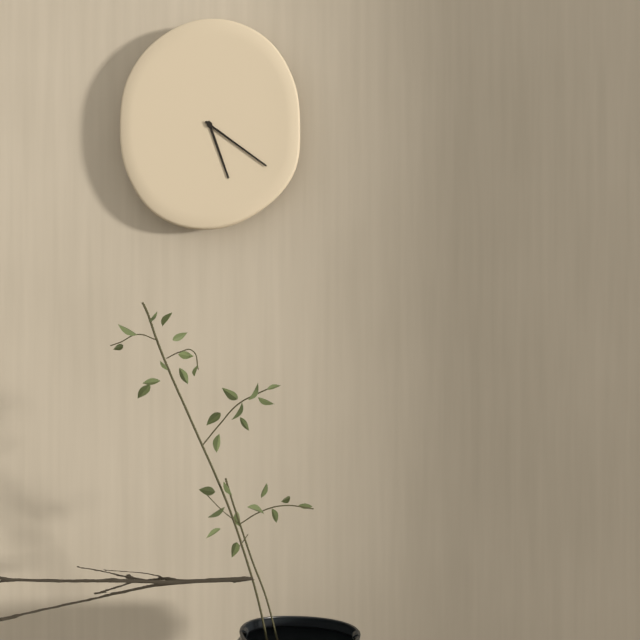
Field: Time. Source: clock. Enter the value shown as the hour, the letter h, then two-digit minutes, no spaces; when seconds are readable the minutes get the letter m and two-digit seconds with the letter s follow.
5h21
